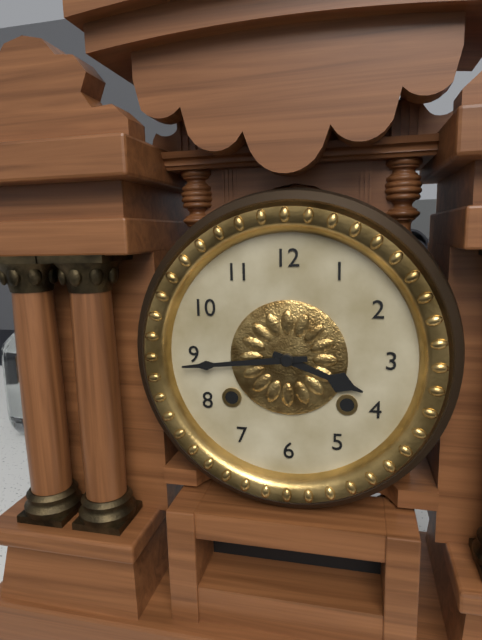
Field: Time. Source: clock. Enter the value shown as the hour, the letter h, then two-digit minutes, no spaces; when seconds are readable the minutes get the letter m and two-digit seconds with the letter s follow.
3h44
